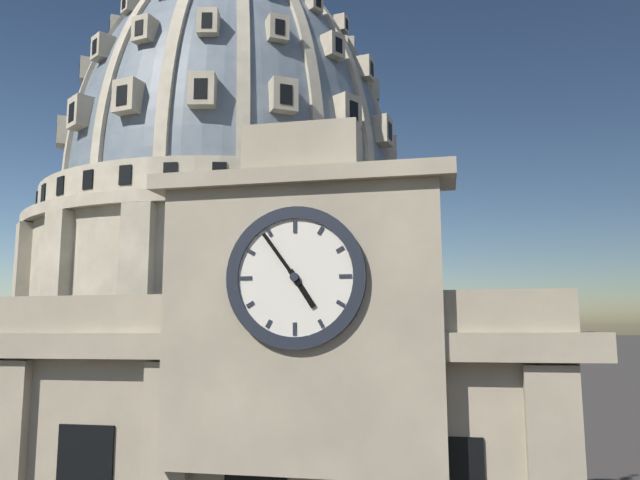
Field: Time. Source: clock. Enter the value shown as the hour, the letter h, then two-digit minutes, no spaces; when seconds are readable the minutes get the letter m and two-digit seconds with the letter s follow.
4h54
